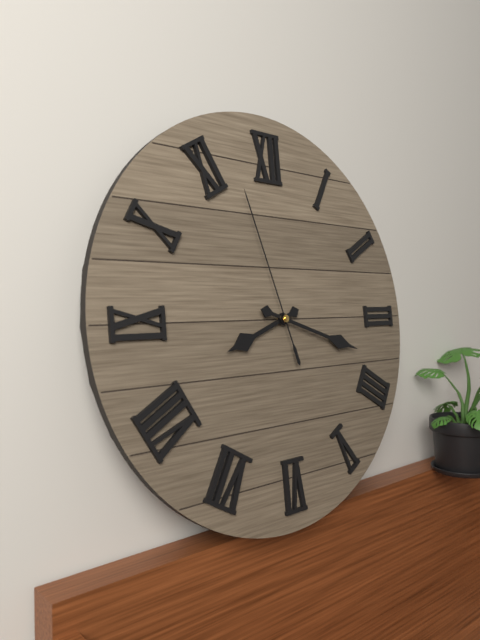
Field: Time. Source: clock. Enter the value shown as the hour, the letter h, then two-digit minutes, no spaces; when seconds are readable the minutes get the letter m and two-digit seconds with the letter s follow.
8h18m57s
